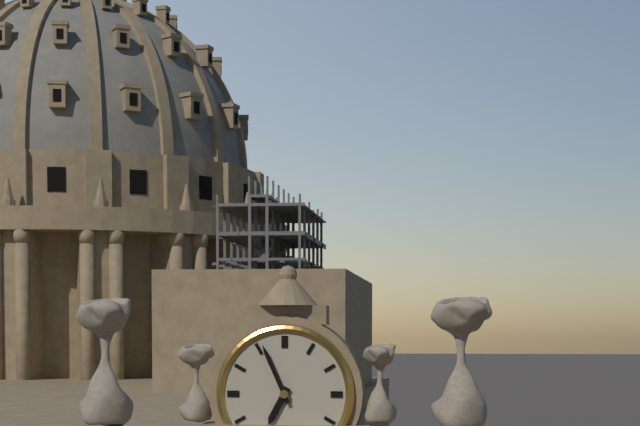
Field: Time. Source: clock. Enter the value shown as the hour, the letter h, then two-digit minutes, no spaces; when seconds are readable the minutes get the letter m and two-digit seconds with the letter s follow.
6h56
